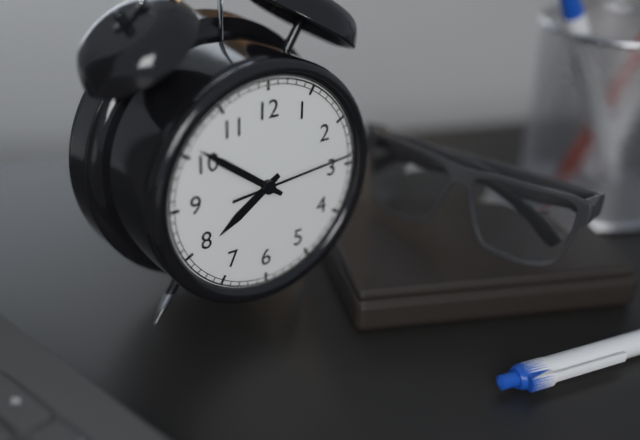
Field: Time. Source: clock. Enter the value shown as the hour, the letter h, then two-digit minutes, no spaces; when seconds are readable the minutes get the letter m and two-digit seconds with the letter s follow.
7h51m14s
